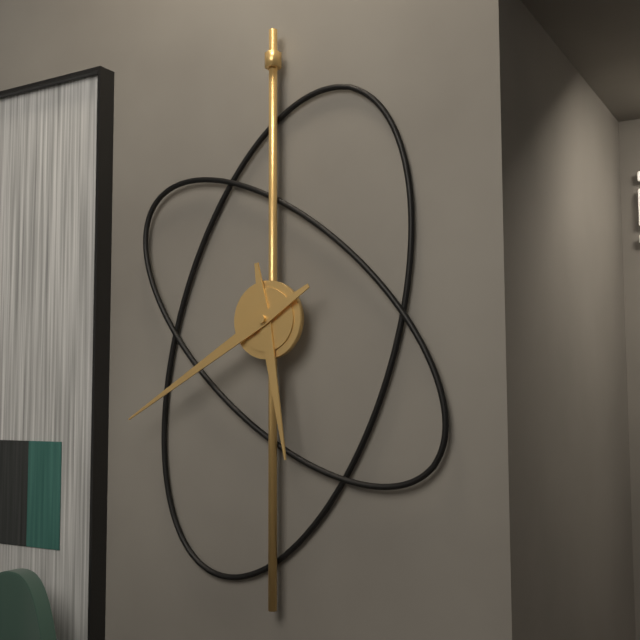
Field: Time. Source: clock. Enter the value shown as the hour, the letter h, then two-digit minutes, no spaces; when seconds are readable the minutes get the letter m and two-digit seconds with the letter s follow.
5h40
